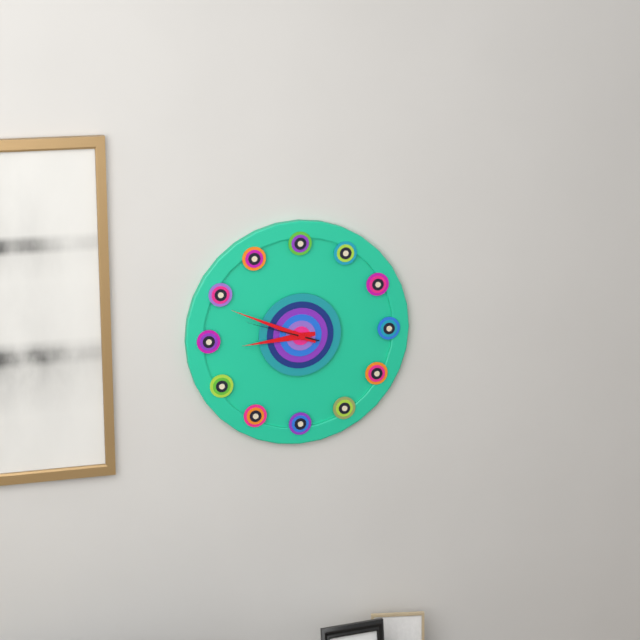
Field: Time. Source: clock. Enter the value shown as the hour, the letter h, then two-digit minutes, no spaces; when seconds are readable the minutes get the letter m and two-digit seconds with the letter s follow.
8h49m48s
